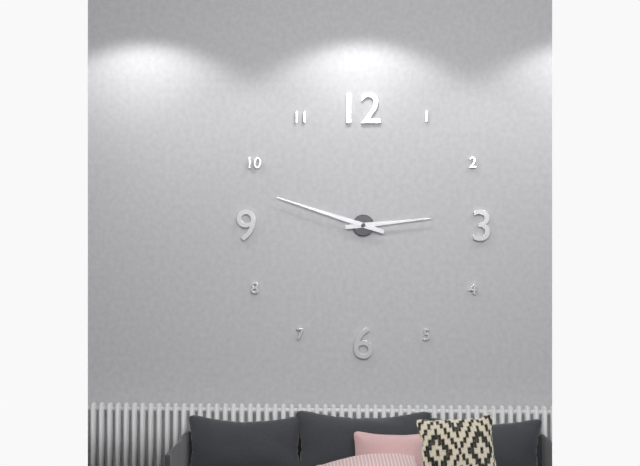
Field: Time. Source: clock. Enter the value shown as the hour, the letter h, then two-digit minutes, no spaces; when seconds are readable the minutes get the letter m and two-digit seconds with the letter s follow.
2h48
